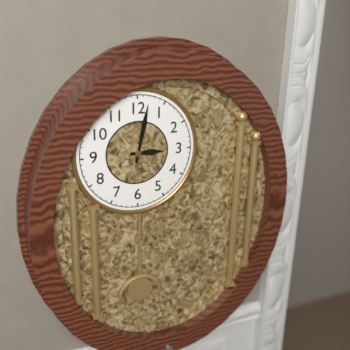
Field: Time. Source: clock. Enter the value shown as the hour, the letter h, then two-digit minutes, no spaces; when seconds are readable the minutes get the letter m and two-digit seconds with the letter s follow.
3h02
